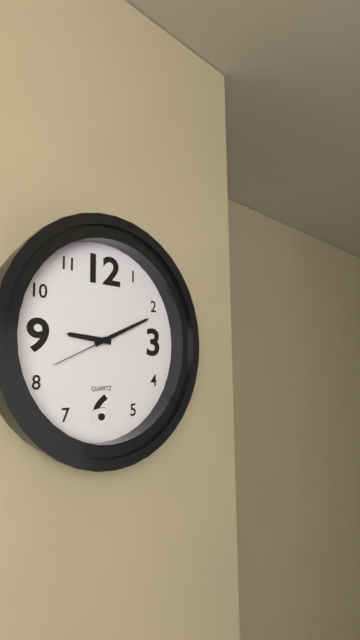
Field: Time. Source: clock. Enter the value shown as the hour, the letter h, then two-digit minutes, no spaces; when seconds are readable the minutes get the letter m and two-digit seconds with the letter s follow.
9h11m41s
